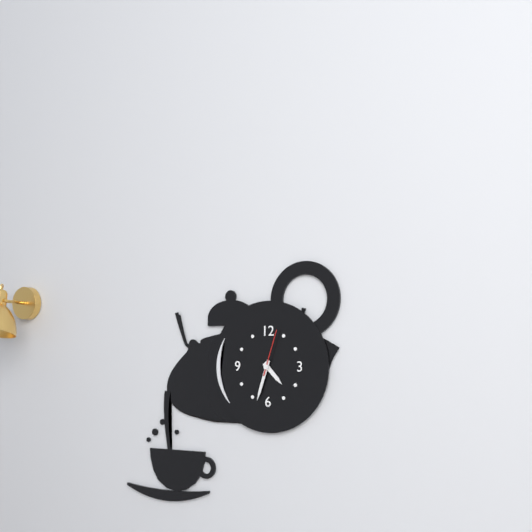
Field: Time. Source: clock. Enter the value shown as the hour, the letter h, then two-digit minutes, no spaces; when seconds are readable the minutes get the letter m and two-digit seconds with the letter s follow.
4h33
